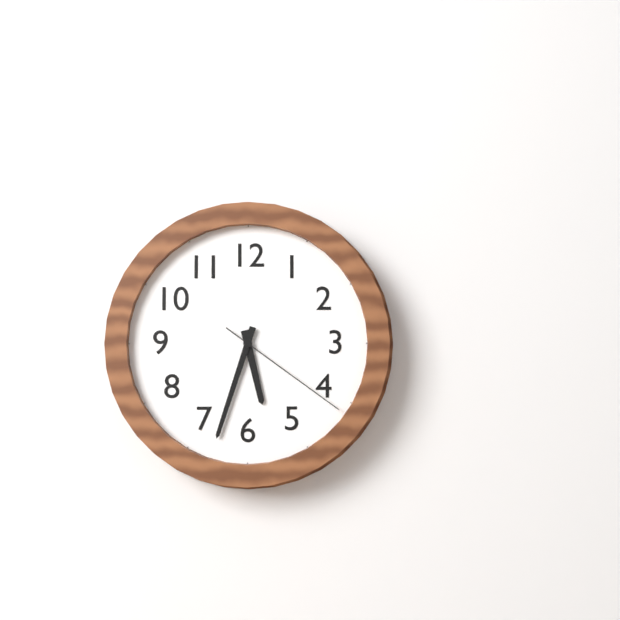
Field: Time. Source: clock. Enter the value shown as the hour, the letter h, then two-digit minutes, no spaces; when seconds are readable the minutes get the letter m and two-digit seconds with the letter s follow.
5h33m21s
